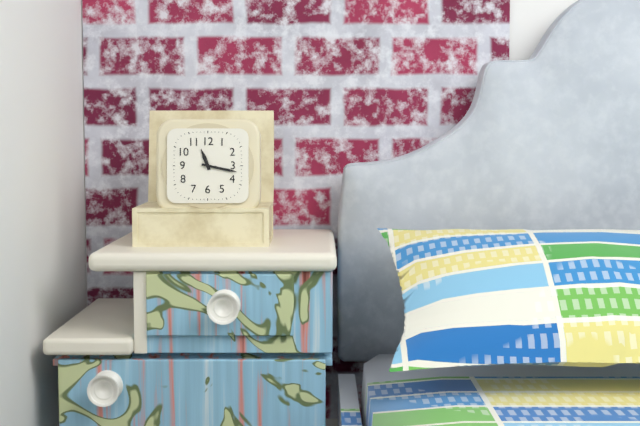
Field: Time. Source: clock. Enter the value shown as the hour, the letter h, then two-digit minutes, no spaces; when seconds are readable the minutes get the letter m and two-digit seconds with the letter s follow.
11h17
